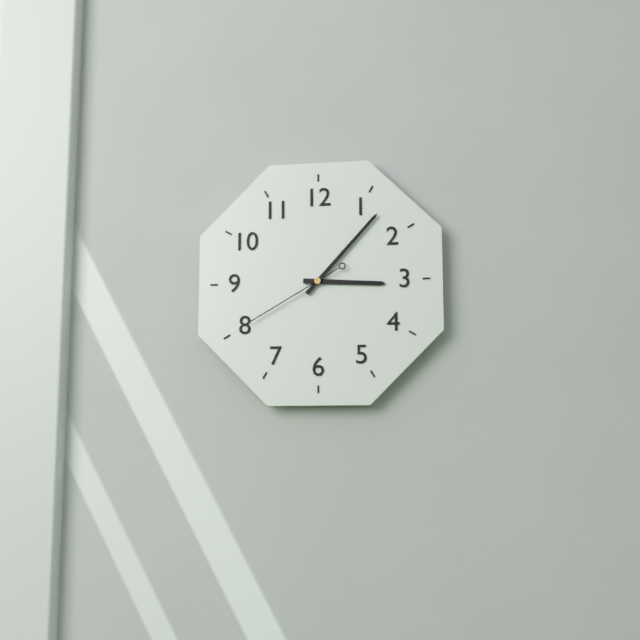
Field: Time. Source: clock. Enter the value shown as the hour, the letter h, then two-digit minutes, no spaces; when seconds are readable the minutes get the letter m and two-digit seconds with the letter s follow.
3h07m40s
